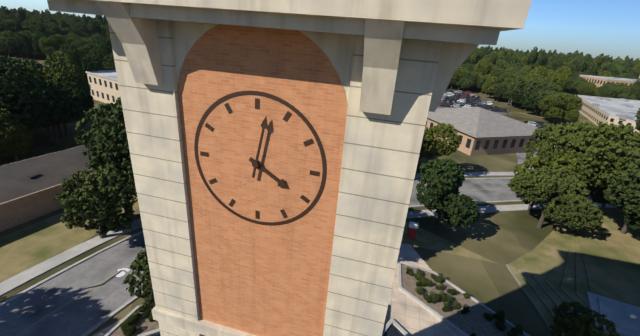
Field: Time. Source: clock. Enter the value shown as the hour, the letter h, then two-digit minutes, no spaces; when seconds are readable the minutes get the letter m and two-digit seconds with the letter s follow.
4h02
